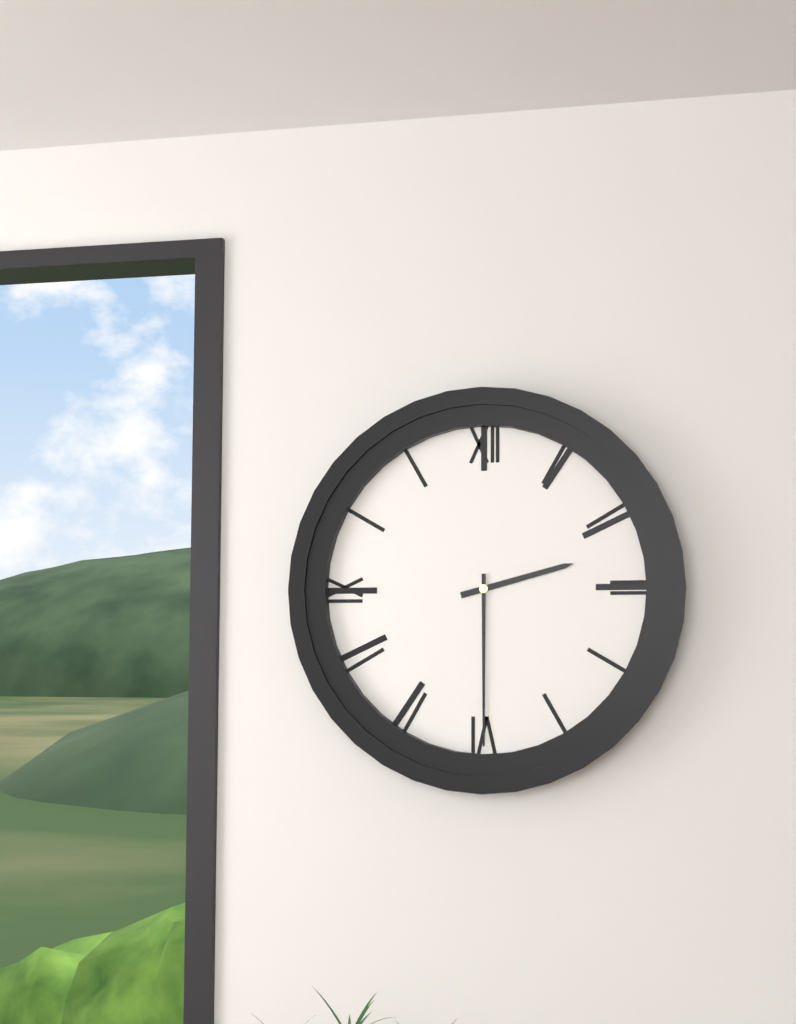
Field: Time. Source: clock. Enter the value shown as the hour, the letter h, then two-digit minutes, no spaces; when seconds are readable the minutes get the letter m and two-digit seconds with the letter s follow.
2h30
